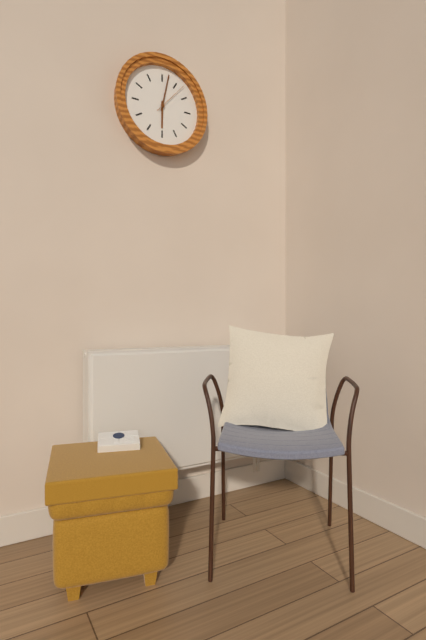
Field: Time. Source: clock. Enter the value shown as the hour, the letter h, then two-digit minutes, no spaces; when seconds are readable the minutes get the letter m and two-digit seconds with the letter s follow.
6h02
